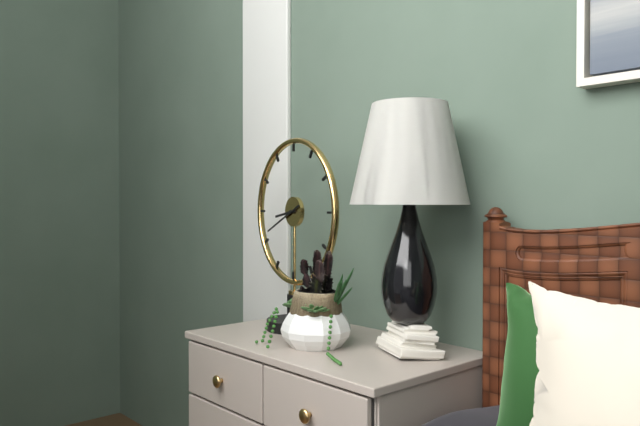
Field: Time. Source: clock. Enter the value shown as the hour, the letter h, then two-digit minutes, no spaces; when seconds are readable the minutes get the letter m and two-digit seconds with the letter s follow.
8h41
